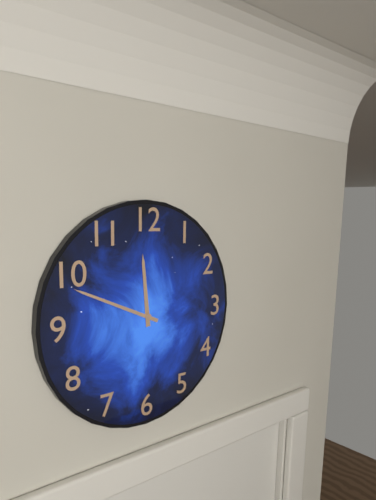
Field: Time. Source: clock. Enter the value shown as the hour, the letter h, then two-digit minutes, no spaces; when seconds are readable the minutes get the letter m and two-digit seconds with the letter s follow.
11h49
